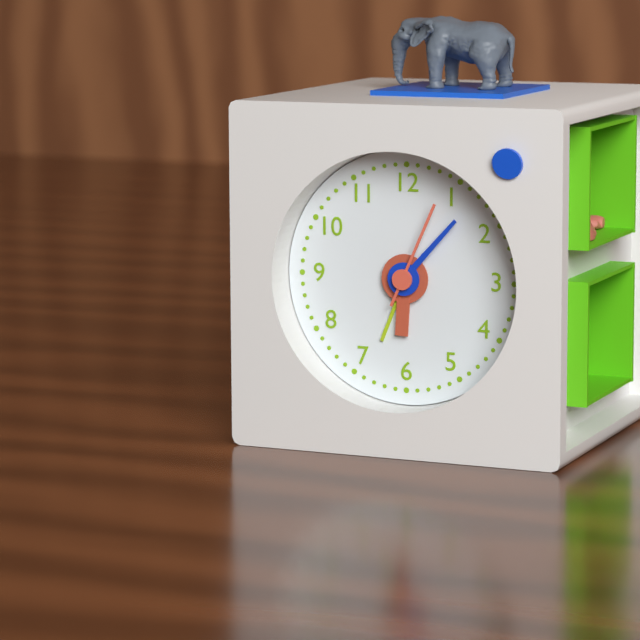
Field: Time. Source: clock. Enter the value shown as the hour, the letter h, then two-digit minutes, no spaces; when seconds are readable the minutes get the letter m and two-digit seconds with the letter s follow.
6h07m04s
